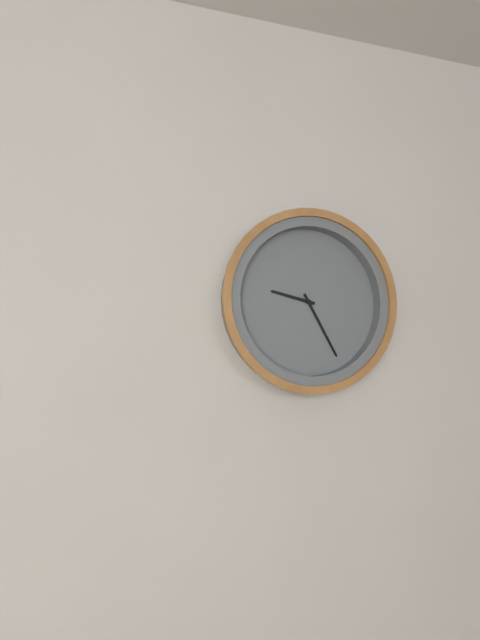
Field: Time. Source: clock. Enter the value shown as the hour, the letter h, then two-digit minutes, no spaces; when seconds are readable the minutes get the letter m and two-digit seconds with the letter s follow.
9h25
